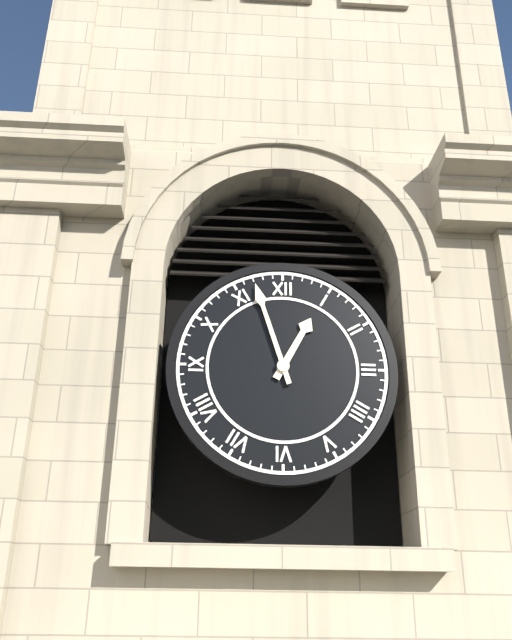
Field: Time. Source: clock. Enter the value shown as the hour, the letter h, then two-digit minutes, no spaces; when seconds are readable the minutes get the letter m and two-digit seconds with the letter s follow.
12h57
